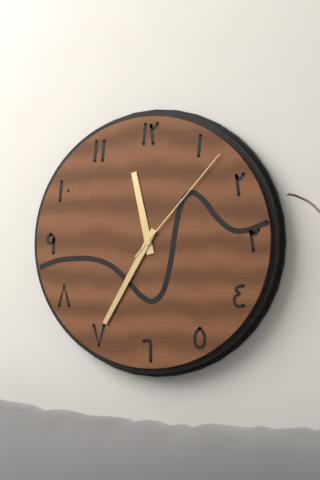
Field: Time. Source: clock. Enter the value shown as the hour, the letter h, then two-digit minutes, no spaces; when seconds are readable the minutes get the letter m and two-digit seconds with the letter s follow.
11h35m07s
